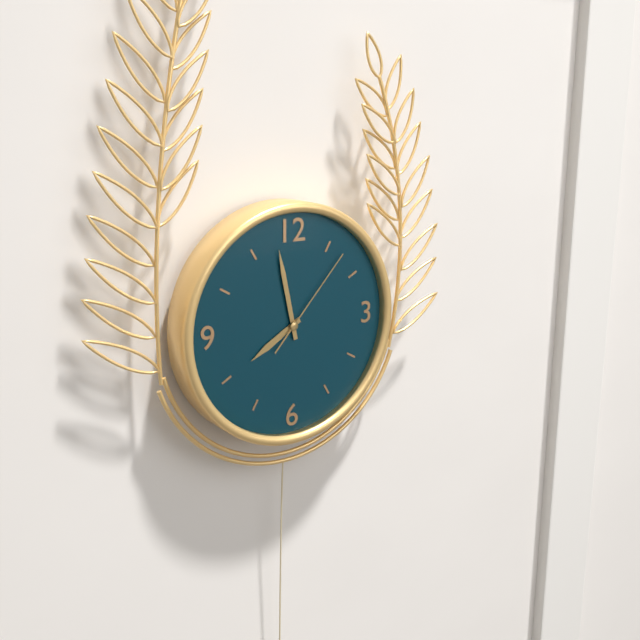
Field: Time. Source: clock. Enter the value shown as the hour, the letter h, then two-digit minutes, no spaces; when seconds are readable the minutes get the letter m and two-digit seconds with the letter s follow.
7h58m07s
